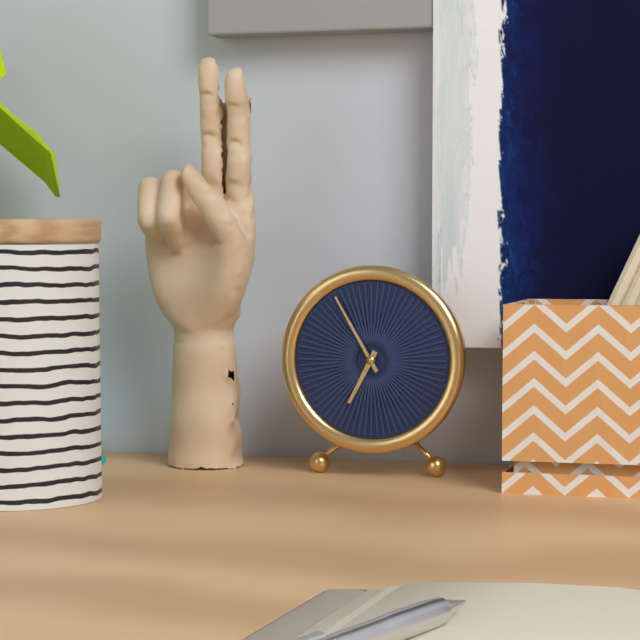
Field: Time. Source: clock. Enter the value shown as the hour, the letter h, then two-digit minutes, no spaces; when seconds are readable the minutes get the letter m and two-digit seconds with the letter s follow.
6h55
